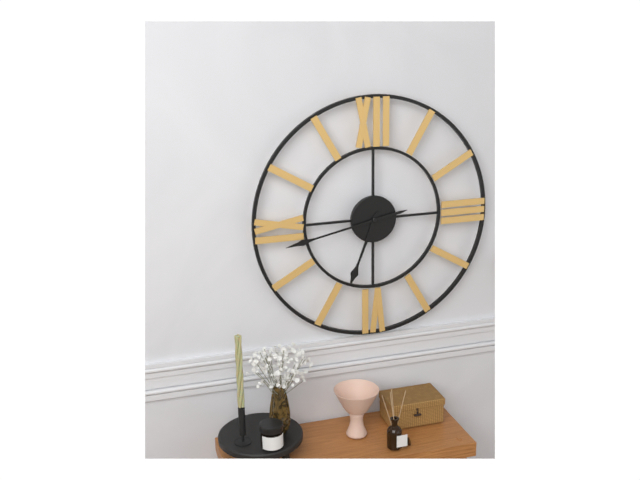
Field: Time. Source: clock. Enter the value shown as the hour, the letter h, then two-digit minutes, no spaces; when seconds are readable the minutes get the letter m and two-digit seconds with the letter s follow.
6h43
